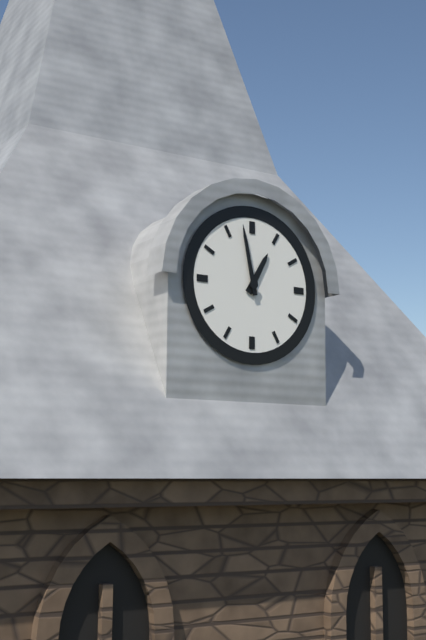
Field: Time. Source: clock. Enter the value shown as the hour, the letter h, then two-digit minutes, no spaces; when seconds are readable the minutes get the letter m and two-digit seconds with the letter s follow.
12h58
